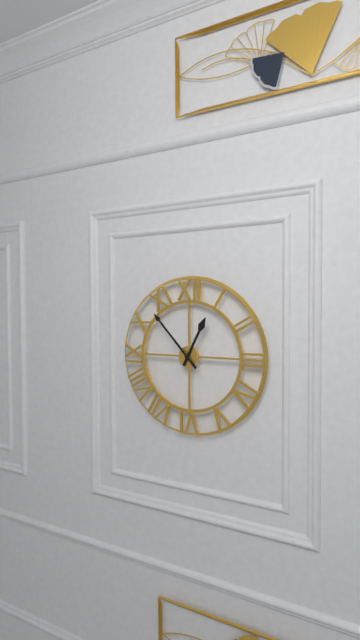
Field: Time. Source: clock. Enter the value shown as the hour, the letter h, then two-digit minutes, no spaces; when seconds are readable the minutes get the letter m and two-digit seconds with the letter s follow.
12h53
